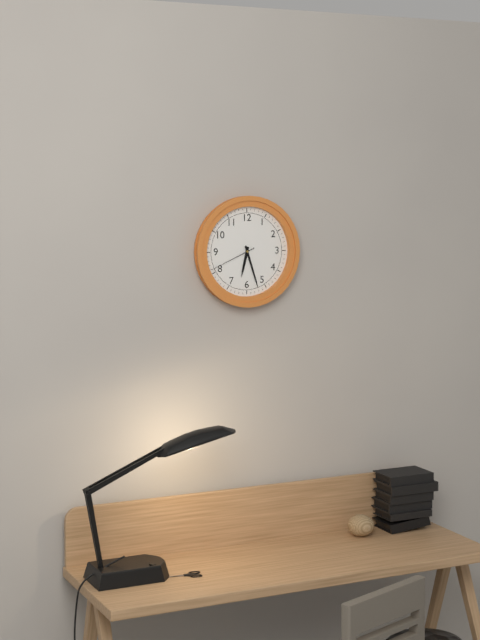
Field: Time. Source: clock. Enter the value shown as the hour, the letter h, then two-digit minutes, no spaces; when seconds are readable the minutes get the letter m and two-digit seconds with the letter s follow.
6h27
